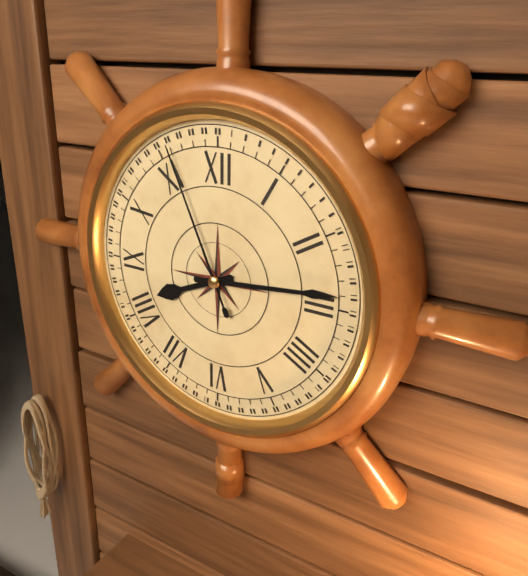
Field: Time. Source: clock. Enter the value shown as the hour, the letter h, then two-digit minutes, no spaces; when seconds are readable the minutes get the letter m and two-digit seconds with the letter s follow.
8h14m56s
